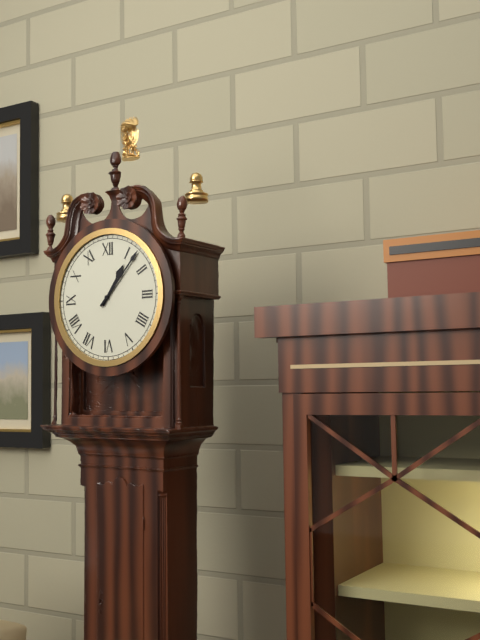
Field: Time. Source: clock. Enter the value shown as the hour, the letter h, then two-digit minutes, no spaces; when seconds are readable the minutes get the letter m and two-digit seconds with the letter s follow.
1h07
